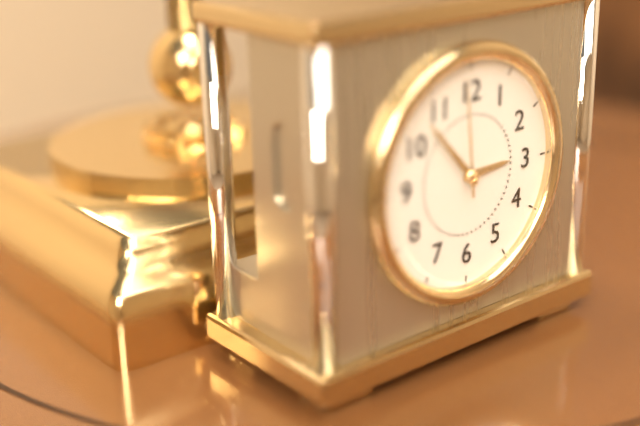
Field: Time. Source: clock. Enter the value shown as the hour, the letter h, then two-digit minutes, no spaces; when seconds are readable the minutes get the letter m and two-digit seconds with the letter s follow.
2h53m59s
